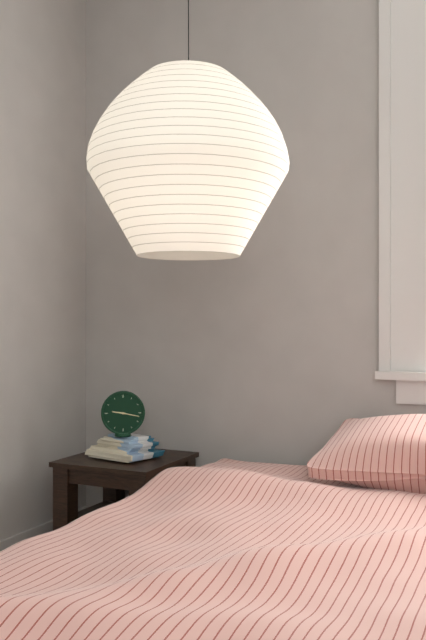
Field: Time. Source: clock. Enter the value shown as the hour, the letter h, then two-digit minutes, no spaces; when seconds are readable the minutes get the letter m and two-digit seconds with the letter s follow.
9h17
